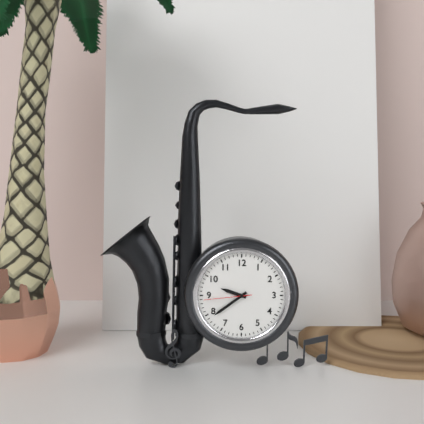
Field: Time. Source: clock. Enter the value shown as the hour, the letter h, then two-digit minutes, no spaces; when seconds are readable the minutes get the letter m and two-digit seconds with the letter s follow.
9h39
